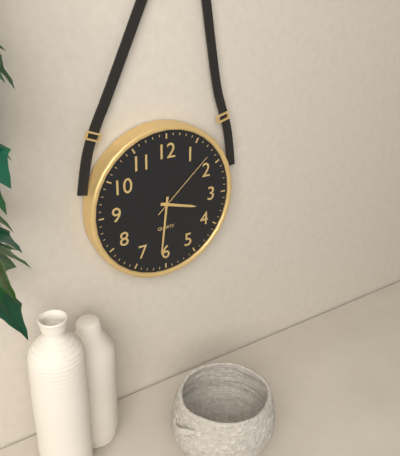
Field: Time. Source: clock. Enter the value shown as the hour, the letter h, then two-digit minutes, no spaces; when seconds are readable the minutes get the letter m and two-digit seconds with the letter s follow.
3h31m08s
